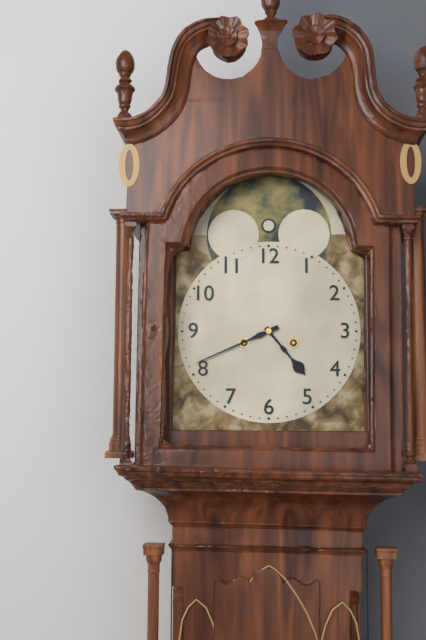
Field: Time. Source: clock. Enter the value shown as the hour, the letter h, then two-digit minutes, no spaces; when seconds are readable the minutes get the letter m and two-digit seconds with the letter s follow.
4h41
